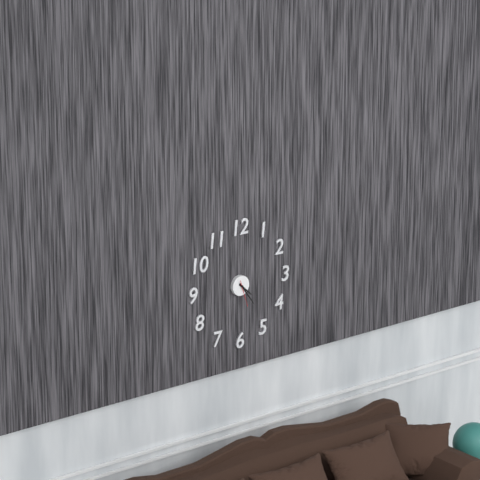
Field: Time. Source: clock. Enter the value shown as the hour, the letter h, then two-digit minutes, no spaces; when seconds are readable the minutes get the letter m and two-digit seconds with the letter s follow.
4h24
